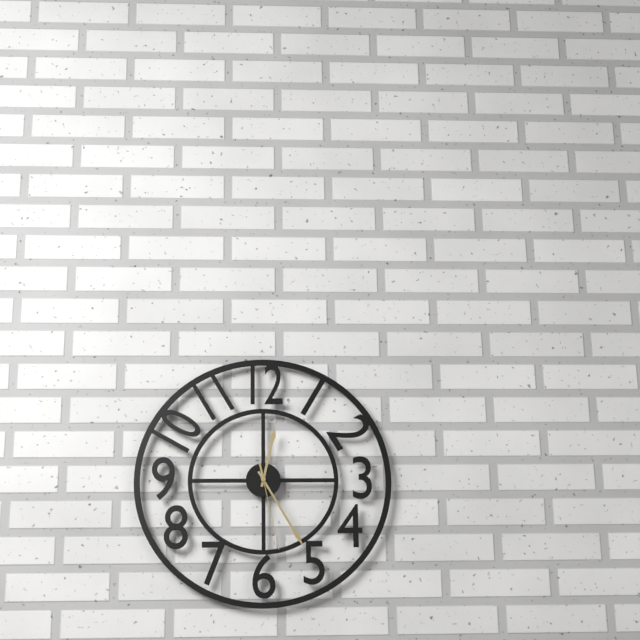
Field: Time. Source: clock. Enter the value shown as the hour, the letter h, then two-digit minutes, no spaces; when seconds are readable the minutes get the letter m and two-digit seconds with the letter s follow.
12h25m28s
